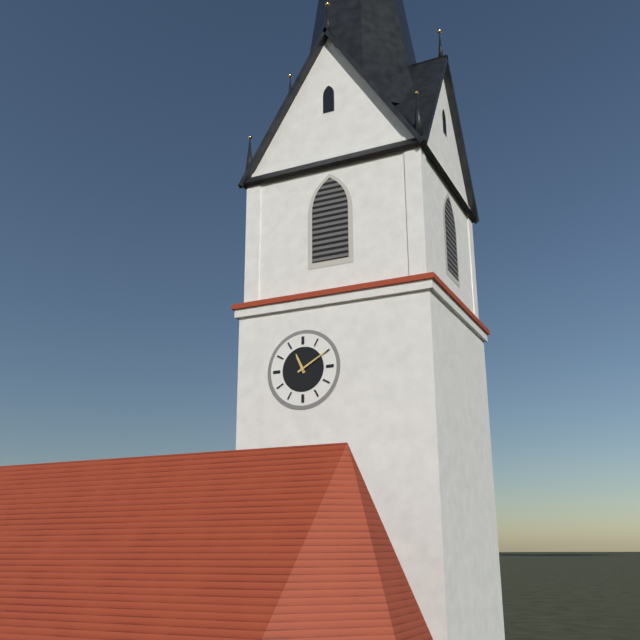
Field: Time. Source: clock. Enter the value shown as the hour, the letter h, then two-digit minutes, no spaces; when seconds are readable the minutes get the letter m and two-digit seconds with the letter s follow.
11h10
